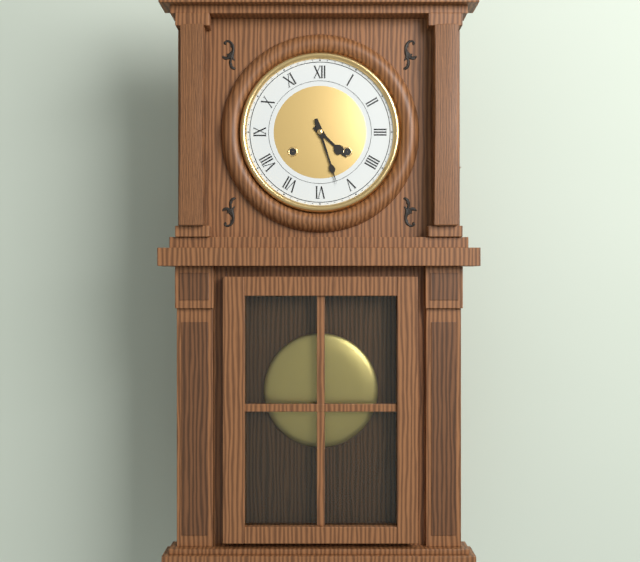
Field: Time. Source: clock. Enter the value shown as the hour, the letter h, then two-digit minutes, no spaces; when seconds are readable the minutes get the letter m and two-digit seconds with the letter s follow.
4h27
